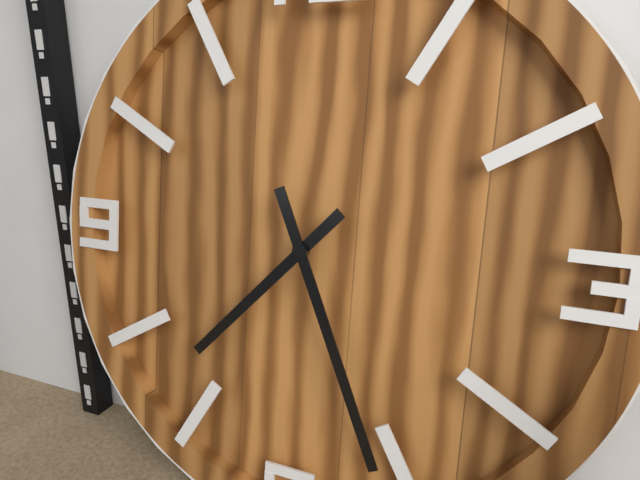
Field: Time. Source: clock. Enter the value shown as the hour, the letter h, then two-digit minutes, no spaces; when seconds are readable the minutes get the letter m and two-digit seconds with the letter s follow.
7h26
